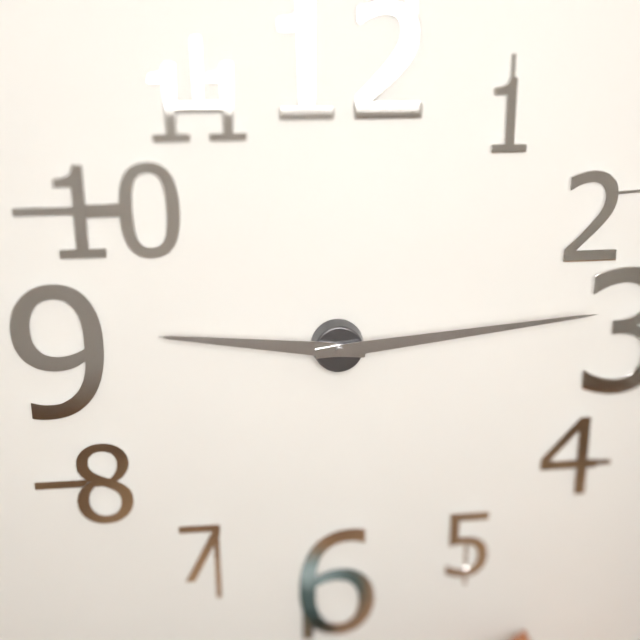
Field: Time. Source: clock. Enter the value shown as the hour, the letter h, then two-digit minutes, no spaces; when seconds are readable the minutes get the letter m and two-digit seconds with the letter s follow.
9h14
